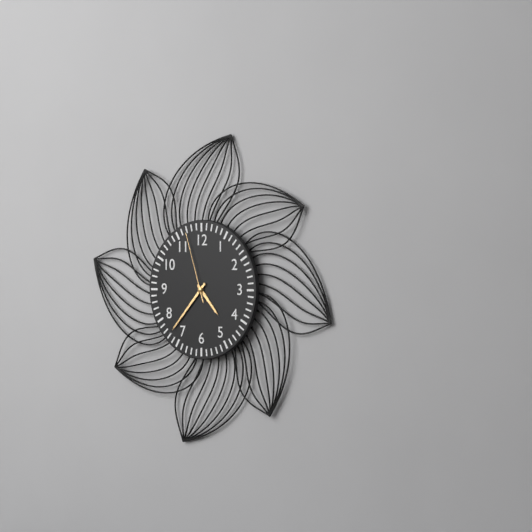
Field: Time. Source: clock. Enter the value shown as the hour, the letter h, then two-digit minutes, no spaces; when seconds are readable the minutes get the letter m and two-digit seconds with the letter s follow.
4h37m57s
